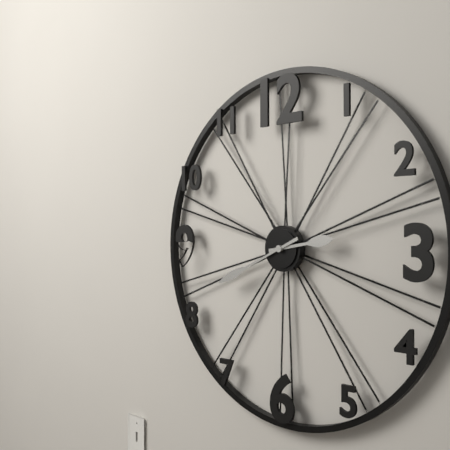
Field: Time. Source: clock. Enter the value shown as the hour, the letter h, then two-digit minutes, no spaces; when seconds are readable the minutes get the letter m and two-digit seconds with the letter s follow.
2h41
